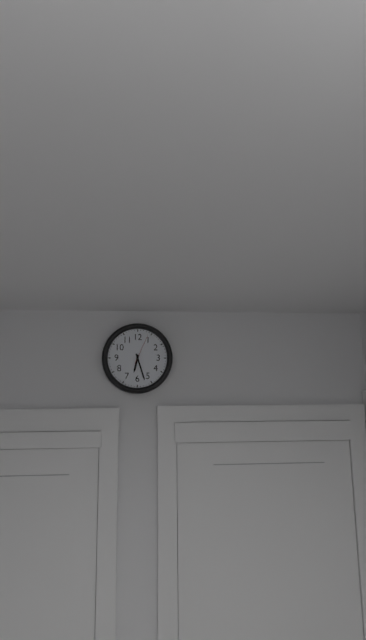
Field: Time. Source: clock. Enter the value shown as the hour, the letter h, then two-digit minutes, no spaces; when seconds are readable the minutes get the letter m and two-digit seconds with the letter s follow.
6h27
